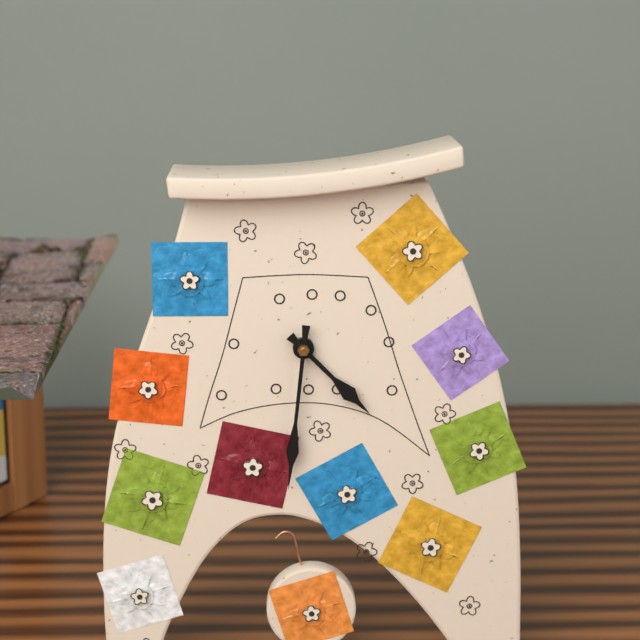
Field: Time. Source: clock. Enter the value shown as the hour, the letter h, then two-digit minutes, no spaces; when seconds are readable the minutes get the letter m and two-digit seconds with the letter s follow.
4h31
